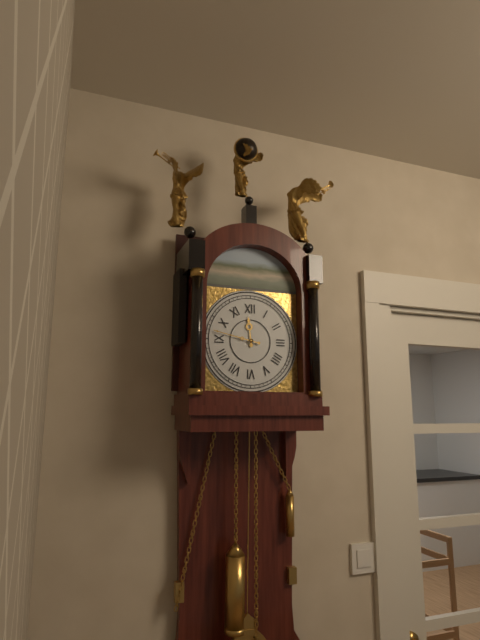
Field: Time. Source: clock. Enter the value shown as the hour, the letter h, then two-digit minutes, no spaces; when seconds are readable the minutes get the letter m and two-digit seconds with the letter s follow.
11h47
